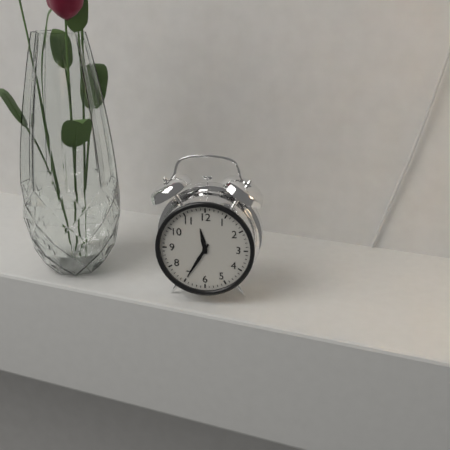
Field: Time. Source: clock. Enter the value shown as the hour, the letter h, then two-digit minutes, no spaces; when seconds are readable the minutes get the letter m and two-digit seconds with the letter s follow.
11h35
